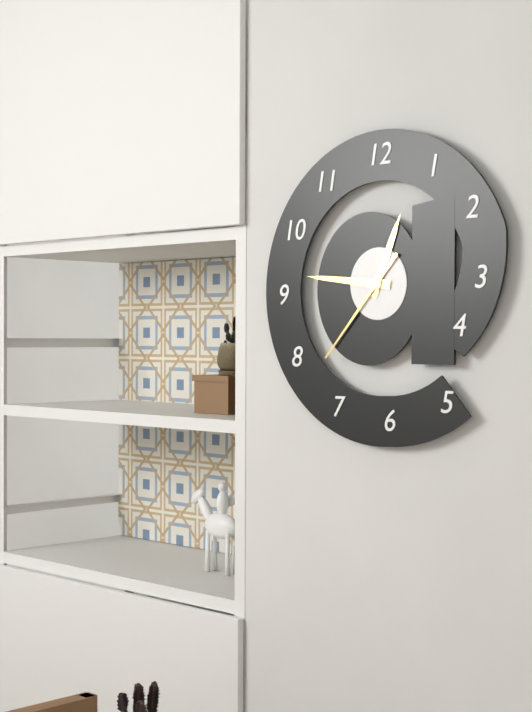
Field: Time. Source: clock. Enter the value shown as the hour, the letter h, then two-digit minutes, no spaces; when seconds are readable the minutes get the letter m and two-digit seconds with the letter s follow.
12h46m37s
